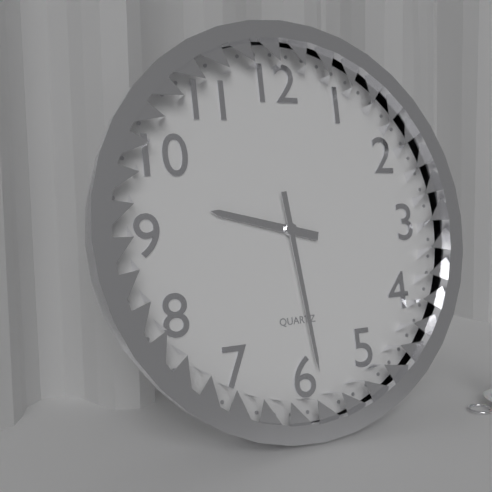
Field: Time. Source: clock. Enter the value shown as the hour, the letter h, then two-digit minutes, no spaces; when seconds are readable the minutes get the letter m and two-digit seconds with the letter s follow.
9h29
